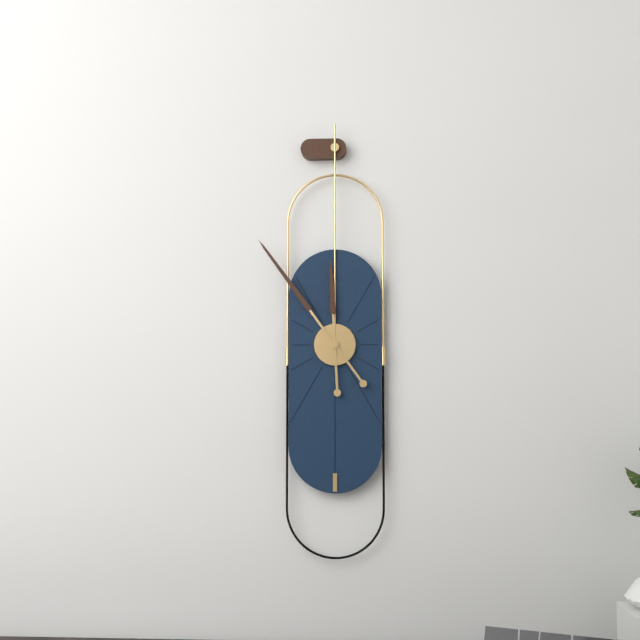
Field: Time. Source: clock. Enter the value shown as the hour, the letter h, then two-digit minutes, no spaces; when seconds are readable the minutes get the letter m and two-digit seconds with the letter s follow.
11h54
